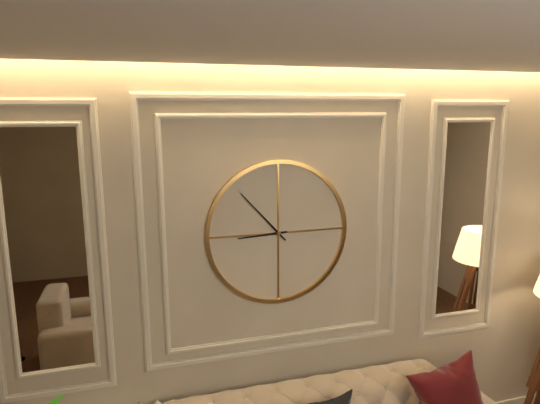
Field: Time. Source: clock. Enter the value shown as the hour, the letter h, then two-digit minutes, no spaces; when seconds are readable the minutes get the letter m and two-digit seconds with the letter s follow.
8h53
